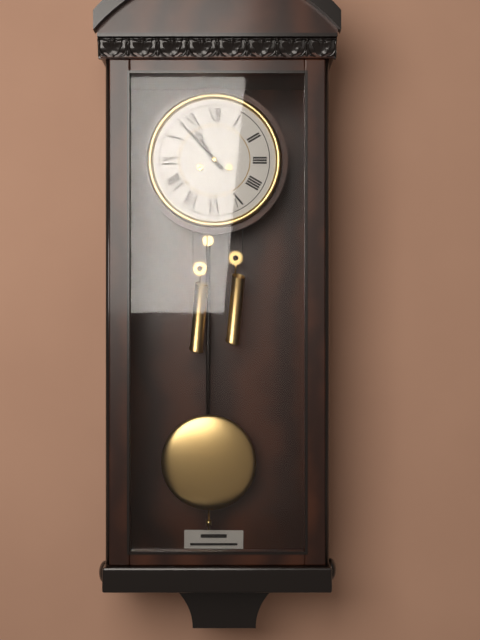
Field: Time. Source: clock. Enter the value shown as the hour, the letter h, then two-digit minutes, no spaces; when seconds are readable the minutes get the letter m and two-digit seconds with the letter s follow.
10h53
